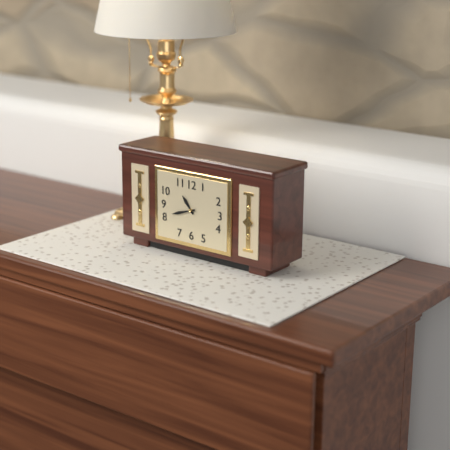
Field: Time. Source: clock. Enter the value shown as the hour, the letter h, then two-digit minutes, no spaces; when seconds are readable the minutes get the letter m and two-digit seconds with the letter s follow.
10h42
